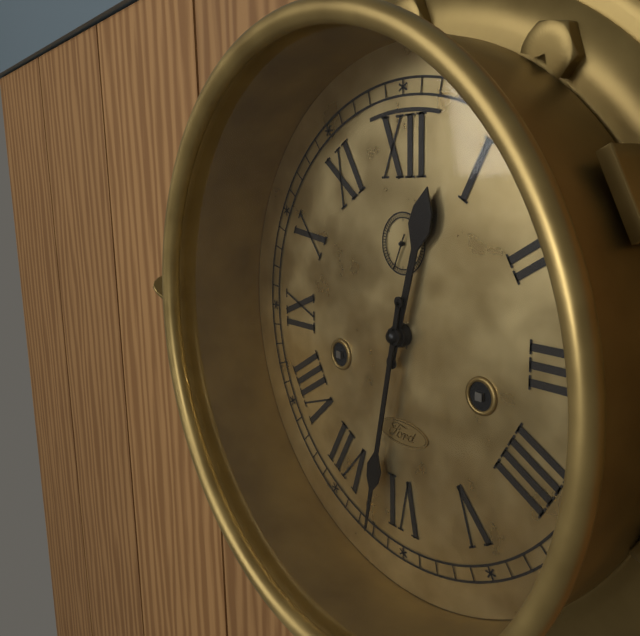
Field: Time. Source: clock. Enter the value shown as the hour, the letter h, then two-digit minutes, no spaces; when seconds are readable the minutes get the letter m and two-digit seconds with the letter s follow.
12h32
